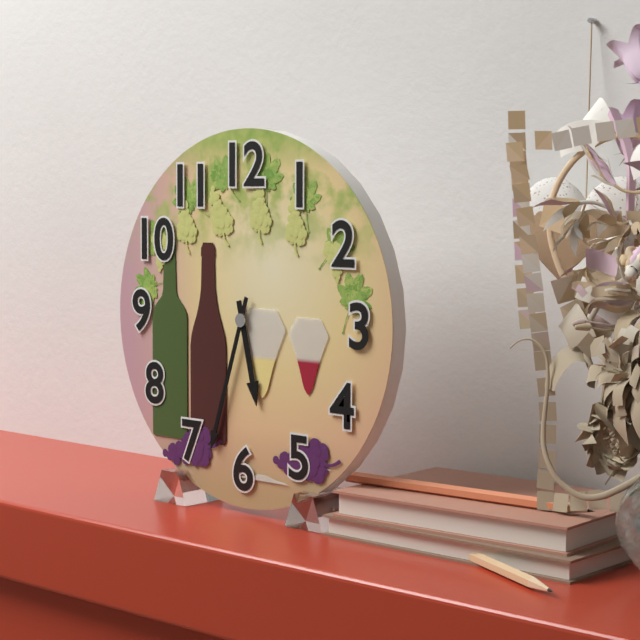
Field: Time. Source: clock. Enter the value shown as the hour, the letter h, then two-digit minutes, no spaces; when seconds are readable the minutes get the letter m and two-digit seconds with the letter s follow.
5h33
